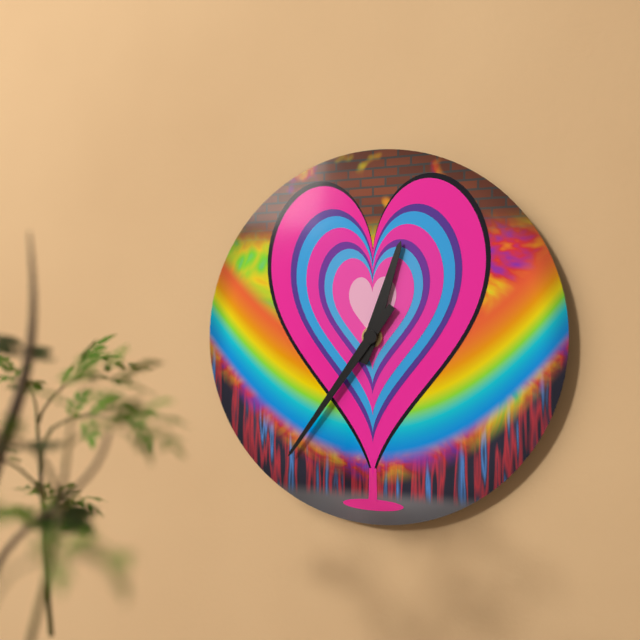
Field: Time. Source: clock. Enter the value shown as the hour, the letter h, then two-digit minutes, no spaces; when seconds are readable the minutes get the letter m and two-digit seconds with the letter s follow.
12h36
